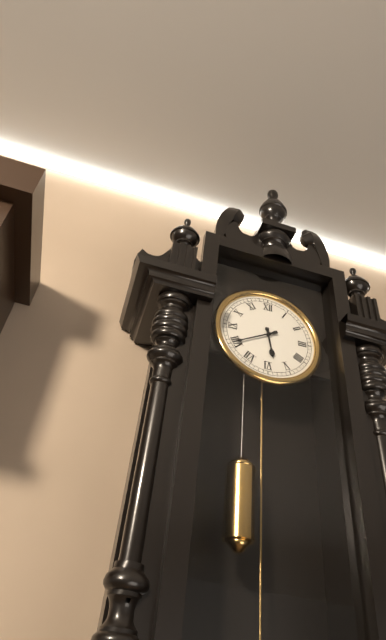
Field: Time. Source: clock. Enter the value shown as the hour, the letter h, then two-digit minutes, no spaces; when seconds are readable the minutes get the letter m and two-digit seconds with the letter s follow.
5h40
